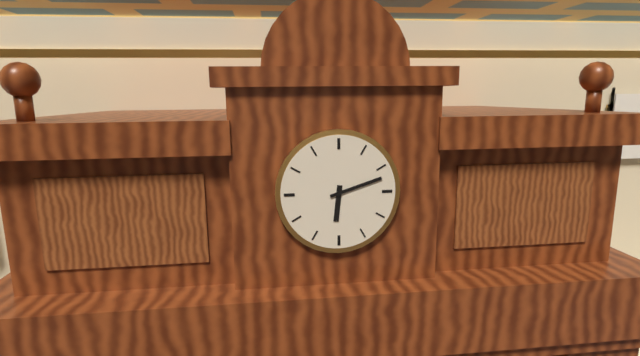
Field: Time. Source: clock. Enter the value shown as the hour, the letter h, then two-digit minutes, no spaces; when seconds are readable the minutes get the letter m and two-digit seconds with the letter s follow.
6h12
